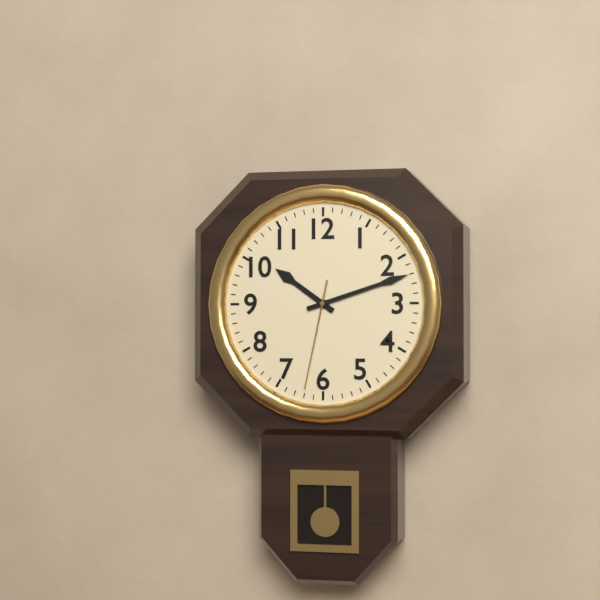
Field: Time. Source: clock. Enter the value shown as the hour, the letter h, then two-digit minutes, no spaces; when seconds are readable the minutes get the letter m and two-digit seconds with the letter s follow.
10h12m32s
